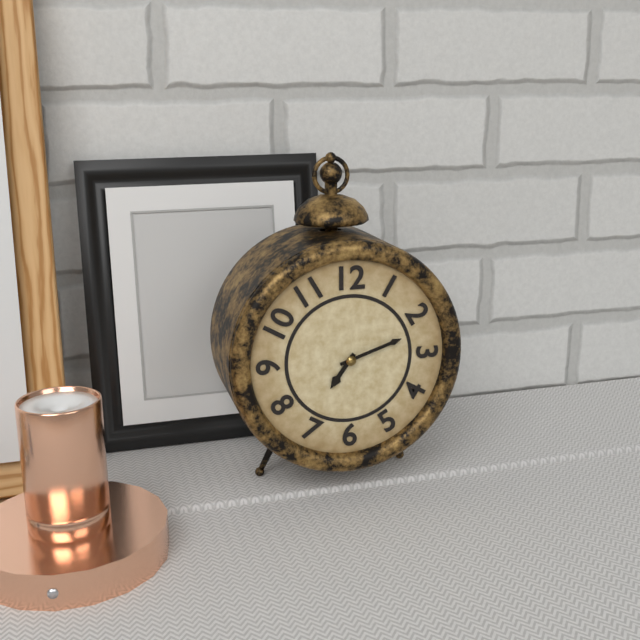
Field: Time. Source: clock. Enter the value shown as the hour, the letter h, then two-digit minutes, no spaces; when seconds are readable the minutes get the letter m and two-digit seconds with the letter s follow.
7h12
